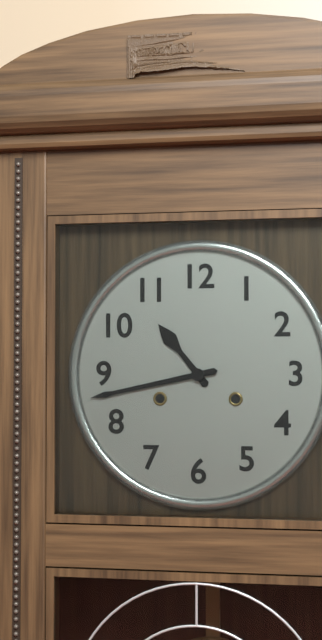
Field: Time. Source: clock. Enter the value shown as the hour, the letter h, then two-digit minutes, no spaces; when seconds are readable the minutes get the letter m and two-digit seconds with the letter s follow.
10h43
